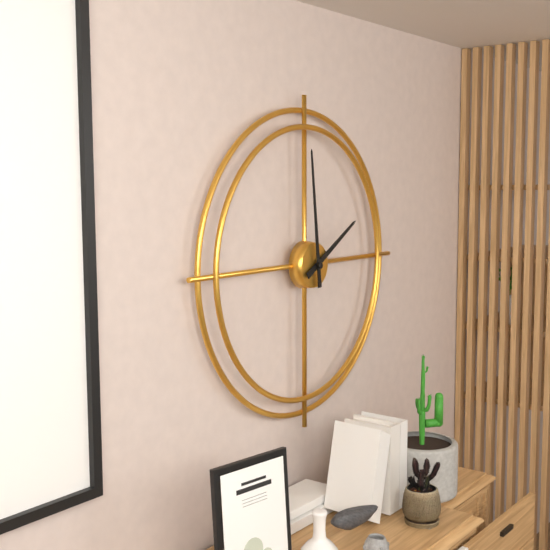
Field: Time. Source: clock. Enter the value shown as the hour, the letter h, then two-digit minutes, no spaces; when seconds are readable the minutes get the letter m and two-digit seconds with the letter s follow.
1h59
